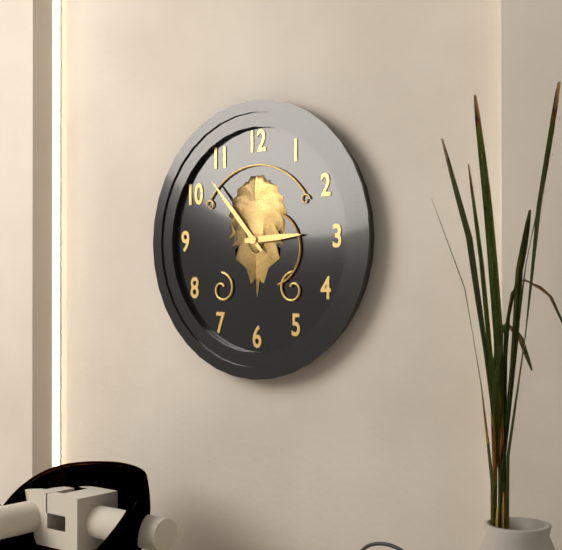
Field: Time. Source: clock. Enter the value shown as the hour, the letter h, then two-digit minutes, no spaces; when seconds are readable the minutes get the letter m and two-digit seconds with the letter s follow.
2h53
